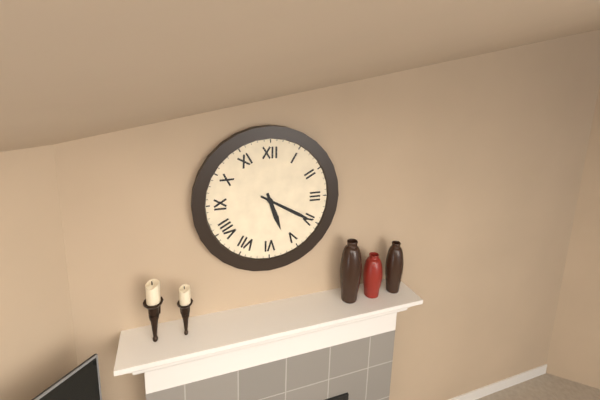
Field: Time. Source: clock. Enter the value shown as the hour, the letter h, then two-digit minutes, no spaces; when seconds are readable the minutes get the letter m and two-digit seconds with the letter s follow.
5h20
